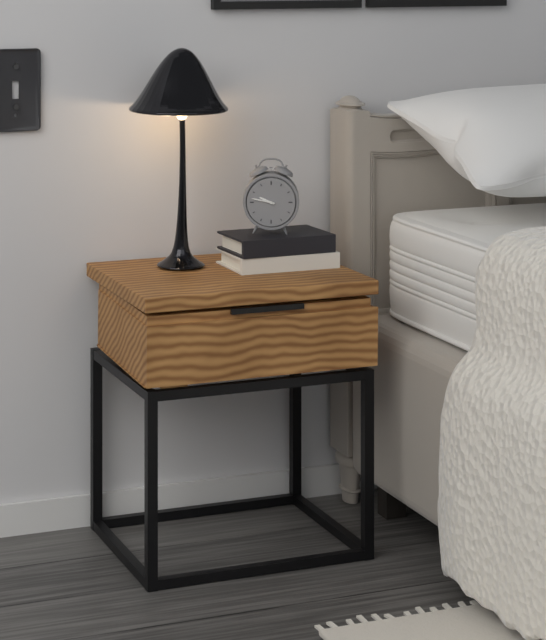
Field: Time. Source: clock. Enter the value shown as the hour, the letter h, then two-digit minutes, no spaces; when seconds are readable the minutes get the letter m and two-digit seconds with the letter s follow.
9h47
